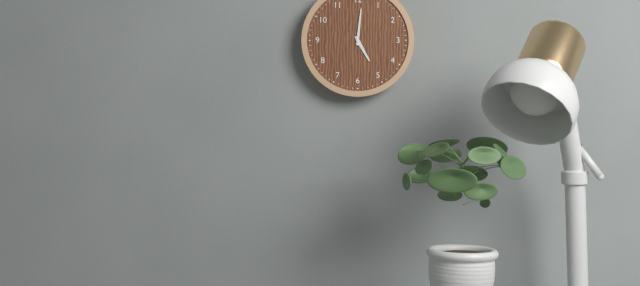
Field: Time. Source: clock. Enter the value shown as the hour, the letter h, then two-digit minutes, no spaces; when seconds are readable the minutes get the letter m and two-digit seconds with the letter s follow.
5h01
